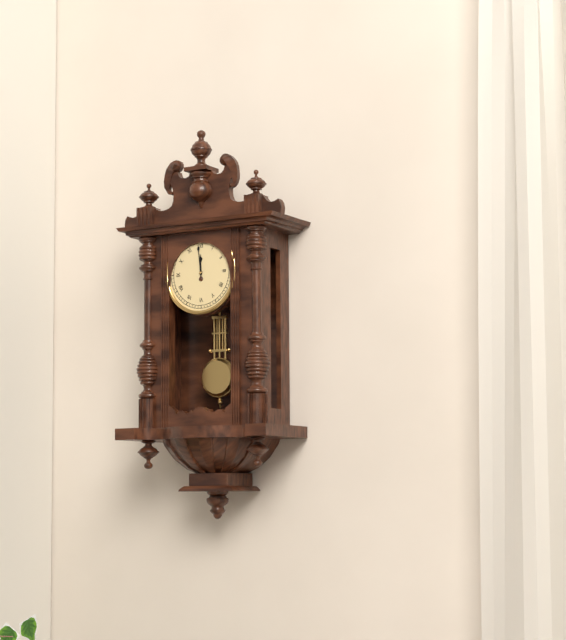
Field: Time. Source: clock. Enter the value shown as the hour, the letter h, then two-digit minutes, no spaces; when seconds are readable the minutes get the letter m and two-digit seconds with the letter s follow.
11h59
